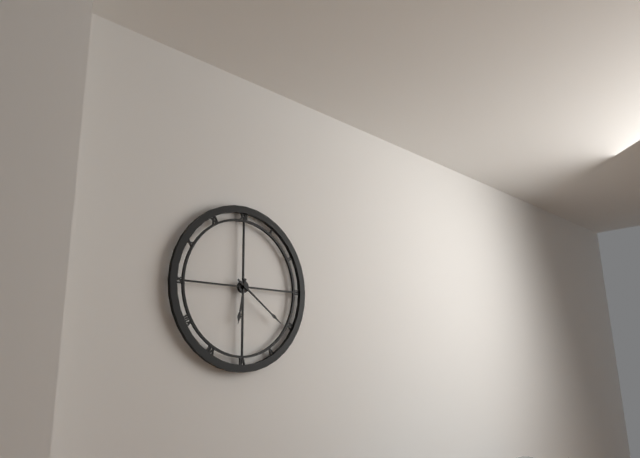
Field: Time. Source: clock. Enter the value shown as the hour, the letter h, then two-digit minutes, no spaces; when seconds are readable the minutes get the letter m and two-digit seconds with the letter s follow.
6h21
